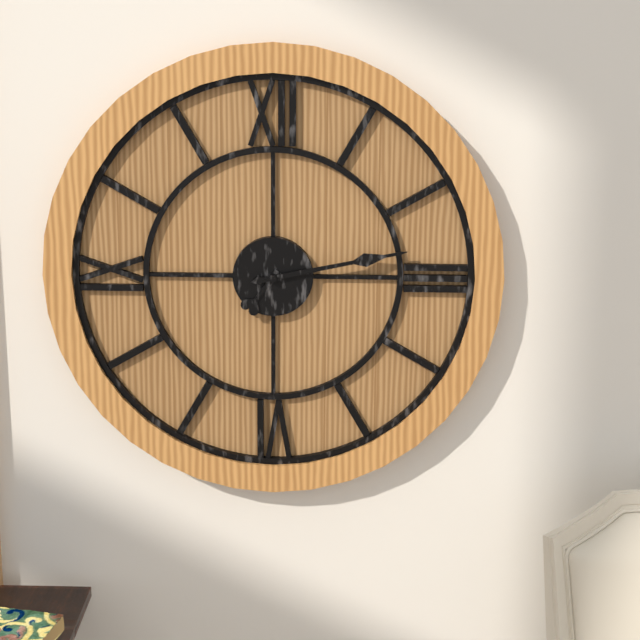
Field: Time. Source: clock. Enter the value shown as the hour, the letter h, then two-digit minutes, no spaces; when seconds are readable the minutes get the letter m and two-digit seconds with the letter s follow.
7h13
